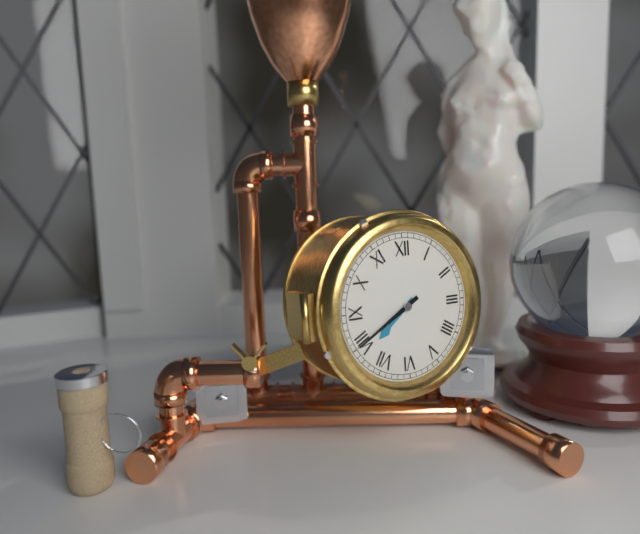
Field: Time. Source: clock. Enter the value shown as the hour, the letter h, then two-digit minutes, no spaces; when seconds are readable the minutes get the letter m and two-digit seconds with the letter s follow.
7h40
